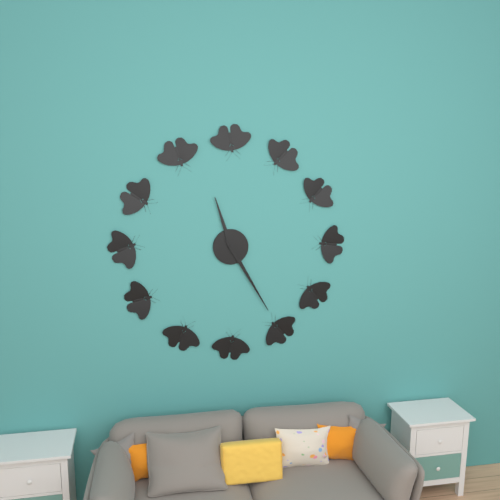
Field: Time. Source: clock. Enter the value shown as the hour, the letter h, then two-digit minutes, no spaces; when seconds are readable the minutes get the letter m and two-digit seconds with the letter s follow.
11h25
